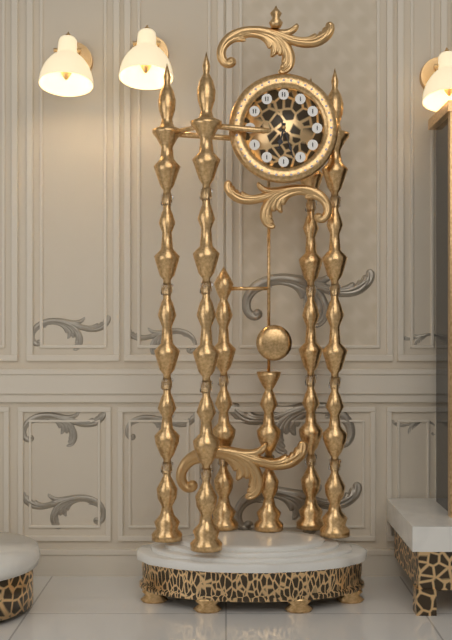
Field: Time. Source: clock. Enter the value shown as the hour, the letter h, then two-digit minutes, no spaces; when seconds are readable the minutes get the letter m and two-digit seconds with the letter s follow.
6h27
